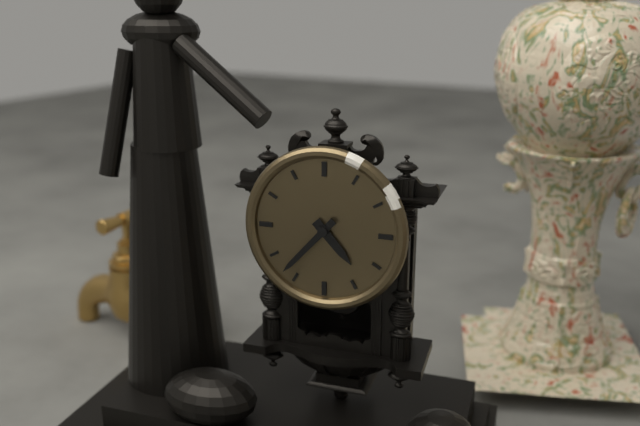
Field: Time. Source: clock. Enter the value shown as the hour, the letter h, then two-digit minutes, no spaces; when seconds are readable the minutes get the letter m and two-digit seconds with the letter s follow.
4h37
